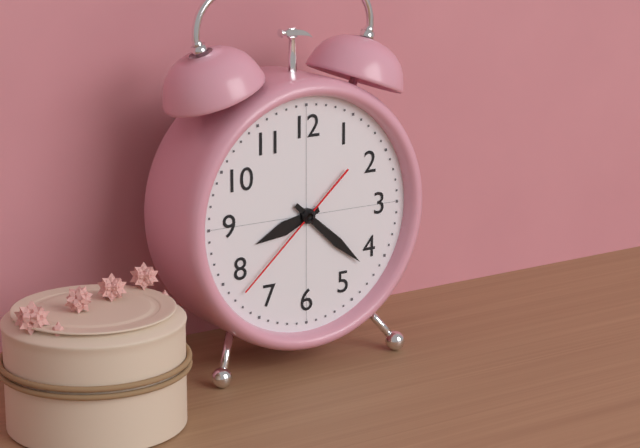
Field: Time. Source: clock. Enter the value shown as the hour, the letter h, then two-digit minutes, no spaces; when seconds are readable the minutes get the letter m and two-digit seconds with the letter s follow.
8h22m38s
